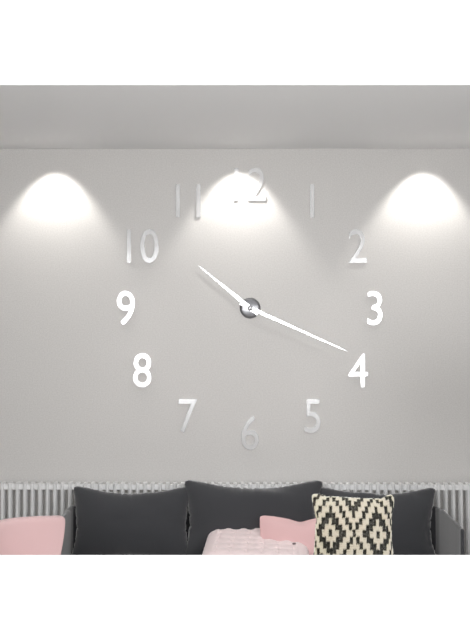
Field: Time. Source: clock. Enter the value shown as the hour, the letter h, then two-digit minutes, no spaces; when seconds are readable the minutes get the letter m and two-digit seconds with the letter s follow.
10h19
